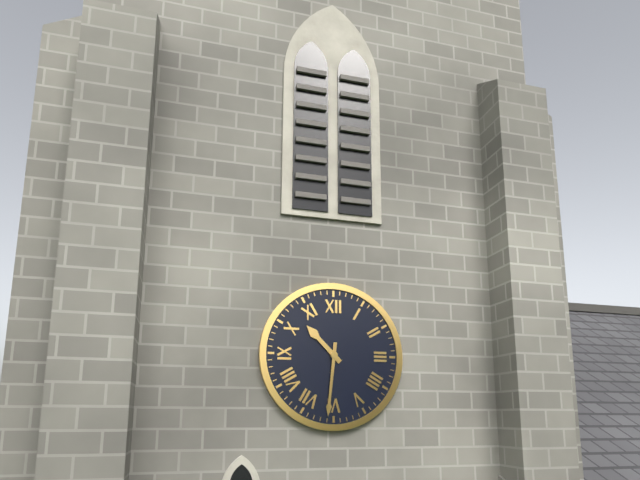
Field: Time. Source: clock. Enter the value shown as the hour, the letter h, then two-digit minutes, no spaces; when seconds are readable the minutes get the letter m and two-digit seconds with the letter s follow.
10h31
